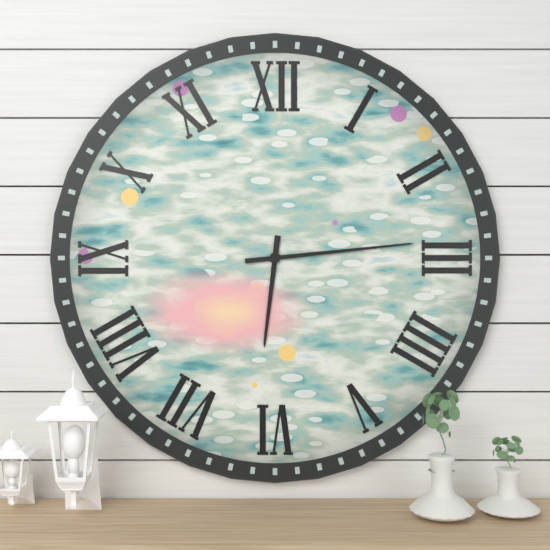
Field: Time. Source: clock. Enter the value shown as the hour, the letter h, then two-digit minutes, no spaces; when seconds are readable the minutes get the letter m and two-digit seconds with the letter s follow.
6h14
